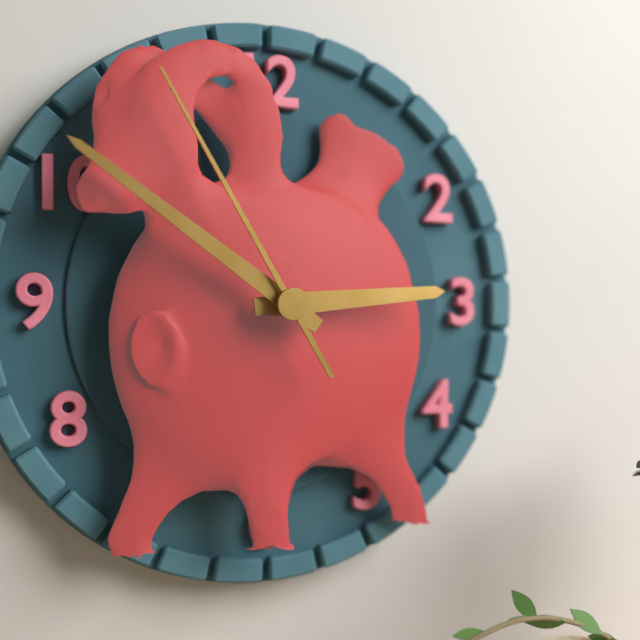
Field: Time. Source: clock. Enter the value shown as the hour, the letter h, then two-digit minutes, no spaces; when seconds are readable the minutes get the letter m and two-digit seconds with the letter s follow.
2h51m55s
